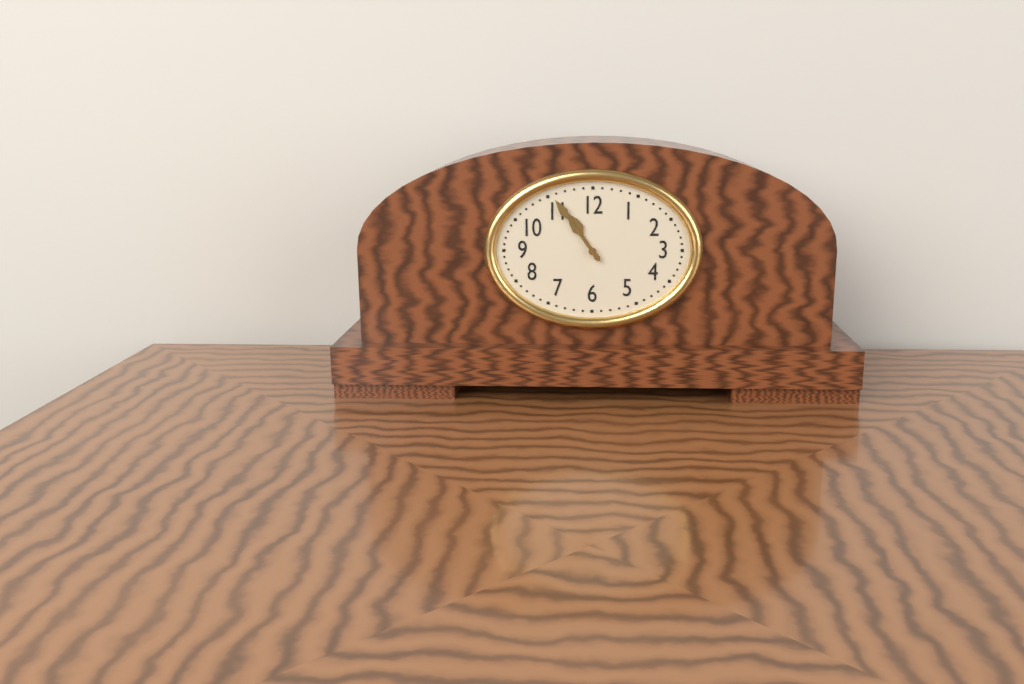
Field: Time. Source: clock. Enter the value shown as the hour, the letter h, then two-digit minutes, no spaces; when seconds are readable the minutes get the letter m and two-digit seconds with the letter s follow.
10h54
